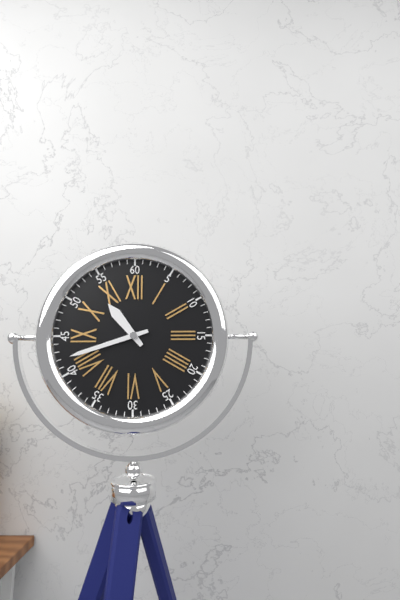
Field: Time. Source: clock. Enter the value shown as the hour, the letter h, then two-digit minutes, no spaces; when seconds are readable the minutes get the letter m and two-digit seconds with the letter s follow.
10h42
